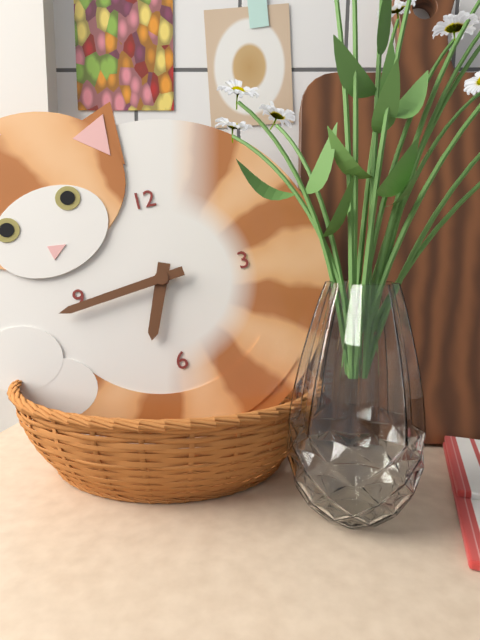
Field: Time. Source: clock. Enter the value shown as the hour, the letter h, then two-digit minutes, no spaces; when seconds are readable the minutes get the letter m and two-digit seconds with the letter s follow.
6h44
